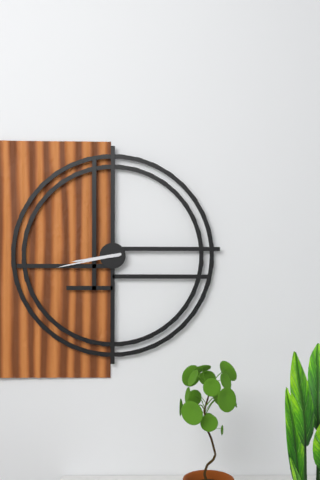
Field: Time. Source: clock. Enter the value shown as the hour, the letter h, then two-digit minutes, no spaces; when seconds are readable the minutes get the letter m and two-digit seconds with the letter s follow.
8h43
